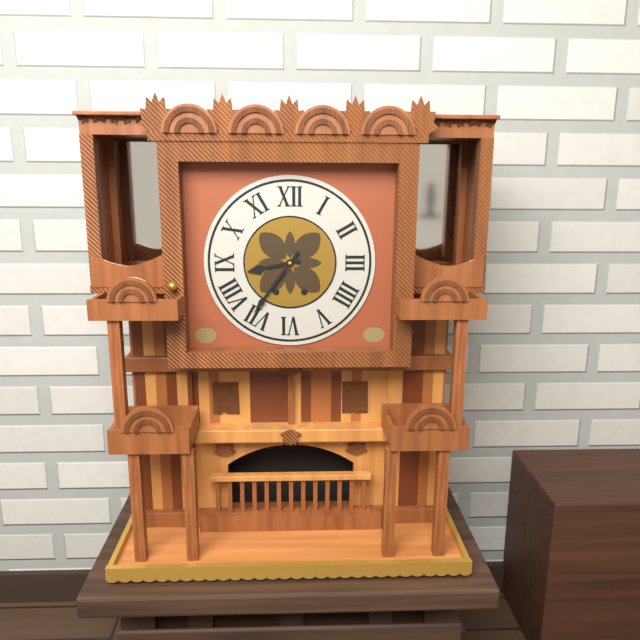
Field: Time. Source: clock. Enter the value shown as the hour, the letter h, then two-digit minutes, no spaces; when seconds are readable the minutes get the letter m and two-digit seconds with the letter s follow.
8h36
